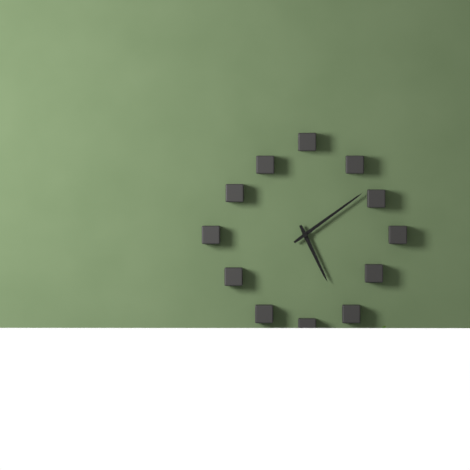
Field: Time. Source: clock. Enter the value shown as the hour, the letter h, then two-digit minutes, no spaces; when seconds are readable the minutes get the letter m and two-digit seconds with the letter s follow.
5h09
